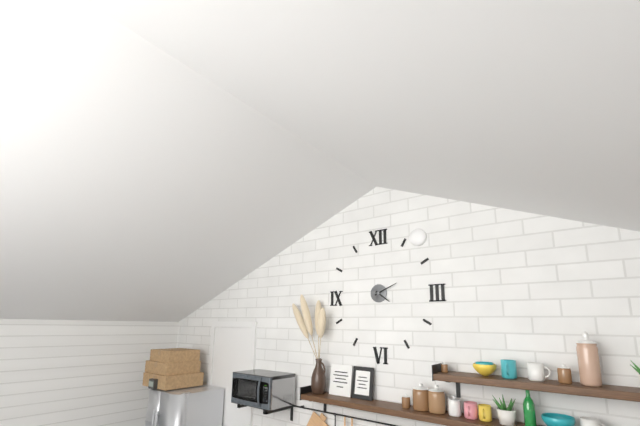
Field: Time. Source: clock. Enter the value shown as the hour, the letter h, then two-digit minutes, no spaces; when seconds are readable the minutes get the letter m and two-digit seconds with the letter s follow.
4h11
